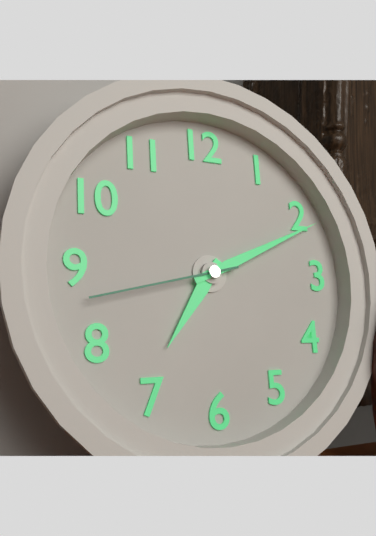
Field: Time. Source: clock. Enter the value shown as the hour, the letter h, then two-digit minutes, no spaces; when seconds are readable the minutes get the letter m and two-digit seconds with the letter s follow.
7h11m43s
